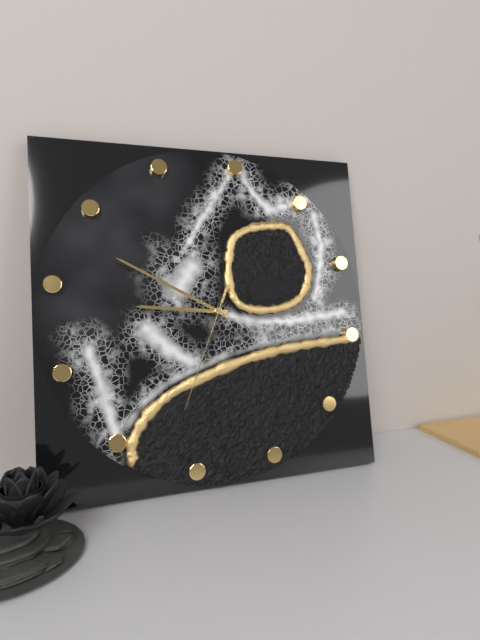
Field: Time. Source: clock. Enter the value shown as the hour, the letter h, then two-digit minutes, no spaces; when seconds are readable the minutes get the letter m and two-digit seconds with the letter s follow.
8h48m32s
